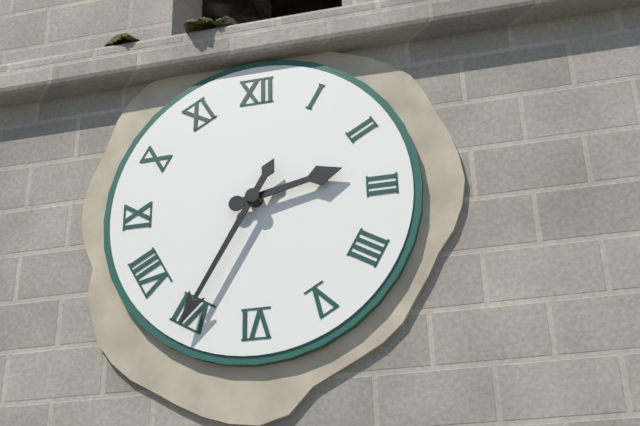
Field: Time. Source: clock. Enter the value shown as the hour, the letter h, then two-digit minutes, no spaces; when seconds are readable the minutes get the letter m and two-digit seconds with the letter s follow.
2h35
